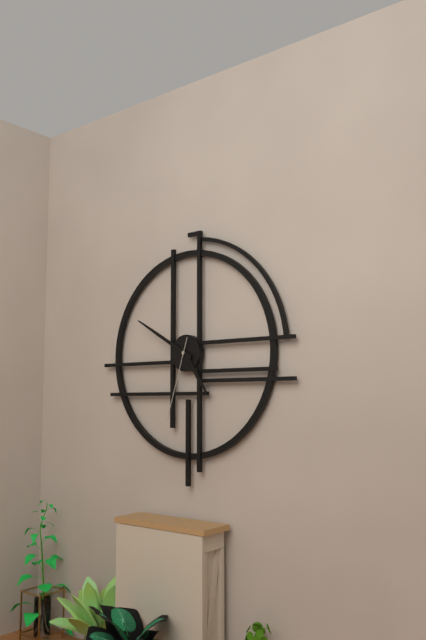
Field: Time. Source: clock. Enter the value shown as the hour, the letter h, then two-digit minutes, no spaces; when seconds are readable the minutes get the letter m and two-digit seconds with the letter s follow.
4h50m33s
